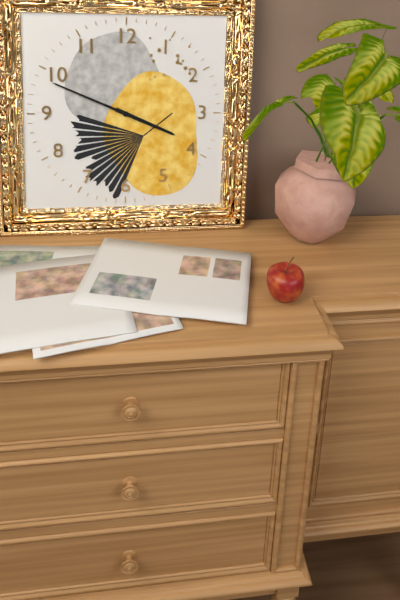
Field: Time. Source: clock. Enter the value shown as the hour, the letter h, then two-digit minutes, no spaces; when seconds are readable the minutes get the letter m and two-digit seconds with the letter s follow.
3h49
